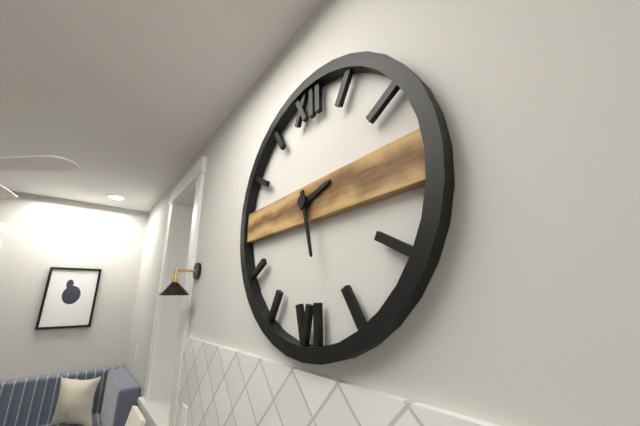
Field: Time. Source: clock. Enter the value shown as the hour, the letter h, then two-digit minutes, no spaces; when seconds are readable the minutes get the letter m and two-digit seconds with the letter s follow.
2h28
